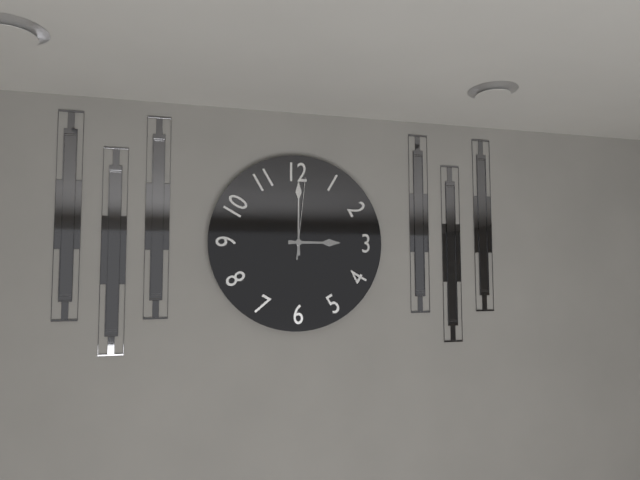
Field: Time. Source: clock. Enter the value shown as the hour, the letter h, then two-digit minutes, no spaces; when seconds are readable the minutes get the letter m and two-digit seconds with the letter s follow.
3h00m01s
